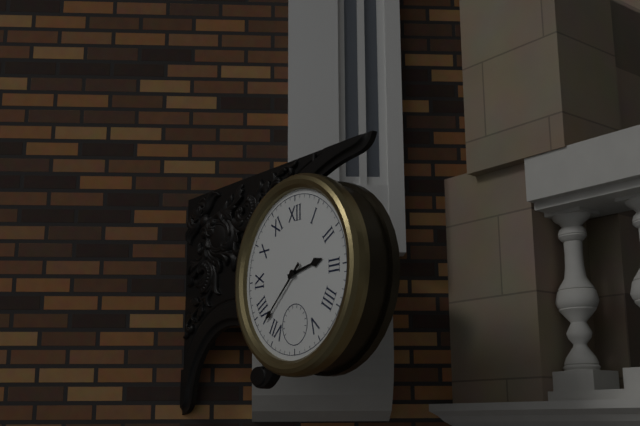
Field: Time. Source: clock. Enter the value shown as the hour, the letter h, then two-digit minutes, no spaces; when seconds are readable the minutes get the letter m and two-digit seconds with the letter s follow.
2h38
